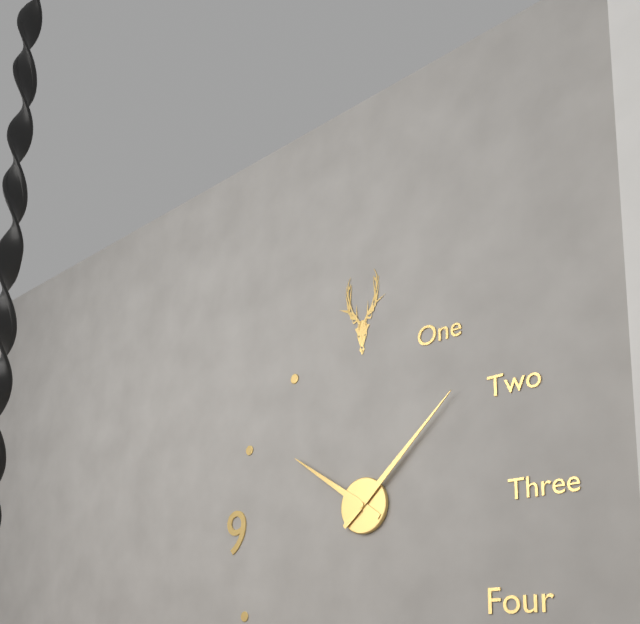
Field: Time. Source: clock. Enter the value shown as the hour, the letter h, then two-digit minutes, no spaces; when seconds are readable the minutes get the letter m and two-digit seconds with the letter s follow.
10h08
